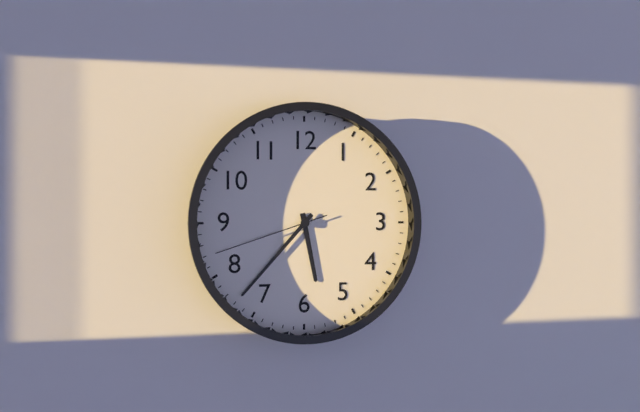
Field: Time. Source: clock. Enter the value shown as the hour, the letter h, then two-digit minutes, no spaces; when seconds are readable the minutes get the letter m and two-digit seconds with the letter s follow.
5h37m42s
